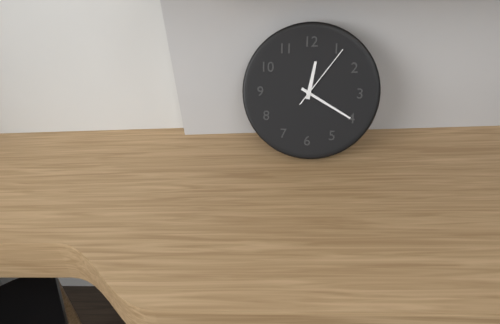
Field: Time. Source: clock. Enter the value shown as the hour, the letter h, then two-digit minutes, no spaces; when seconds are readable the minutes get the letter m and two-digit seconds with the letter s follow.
12h20m06s
